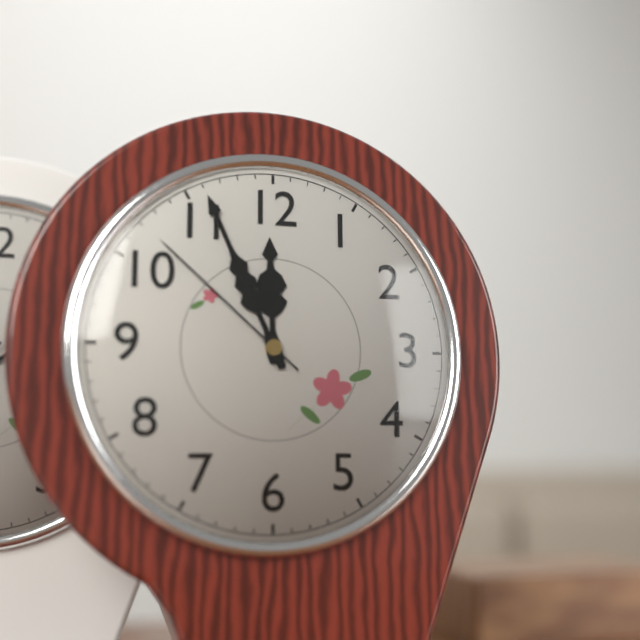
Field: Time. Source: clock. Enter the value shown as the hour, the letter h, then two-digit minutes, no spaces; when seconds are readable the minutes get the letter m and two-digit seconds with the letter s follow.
11h56m52s
